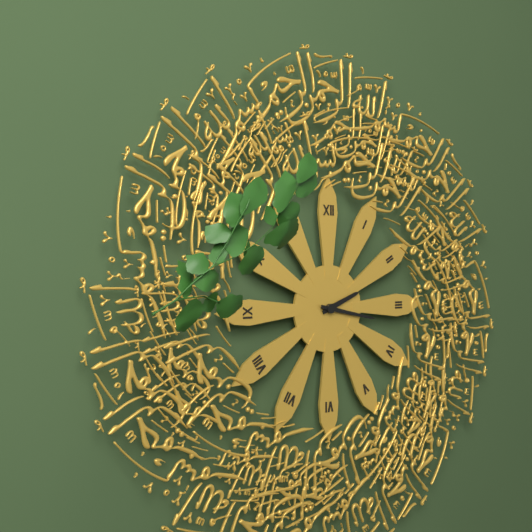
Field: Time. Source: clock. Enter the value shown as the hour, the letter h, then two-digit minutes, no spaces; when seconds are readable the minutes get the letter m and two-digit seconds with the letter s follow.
2h17
